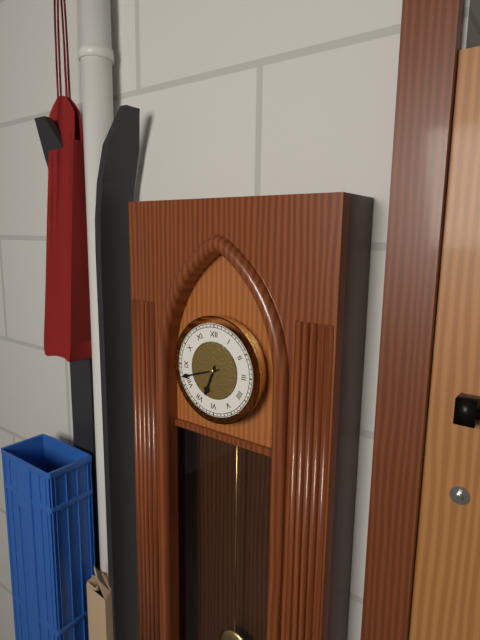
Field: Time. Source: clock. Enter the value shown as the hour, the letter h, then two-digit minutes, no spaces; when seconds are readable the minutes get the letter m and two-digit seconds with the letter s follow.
6h42
